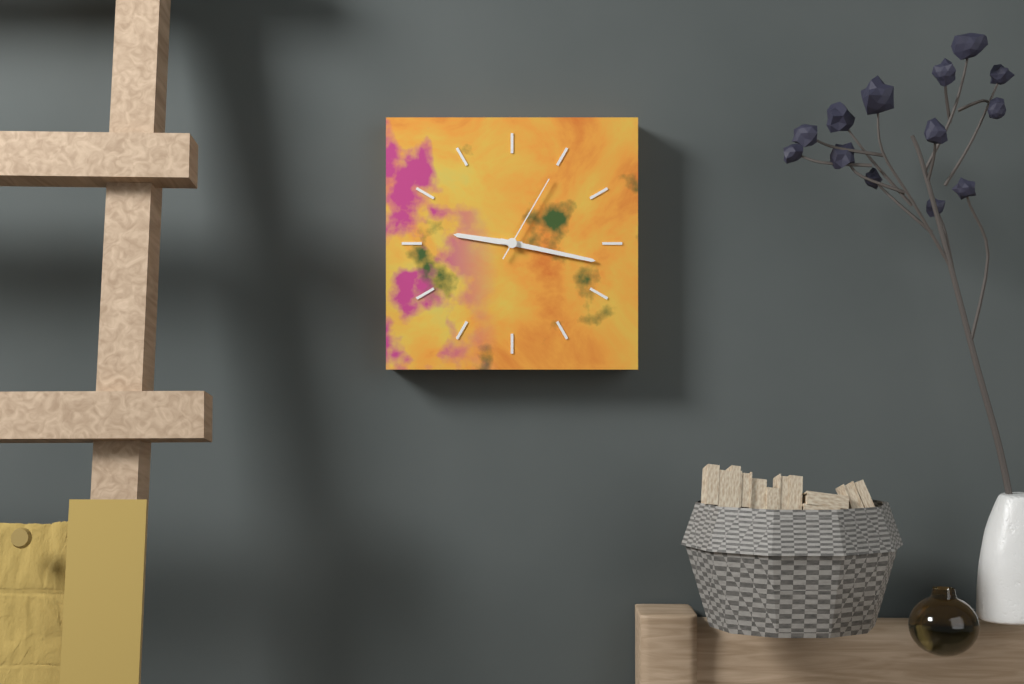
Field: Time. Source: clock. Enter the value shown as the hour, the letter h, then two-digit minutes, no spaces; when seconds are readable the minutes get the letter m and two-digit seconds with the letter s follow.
9h17m05s
